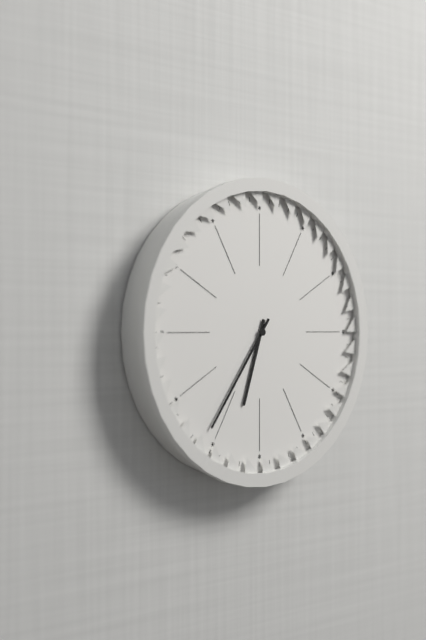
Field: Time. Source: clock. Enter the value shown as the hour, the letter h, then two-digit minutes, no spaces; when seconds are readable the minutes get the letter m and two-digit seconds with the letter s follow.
6h36
